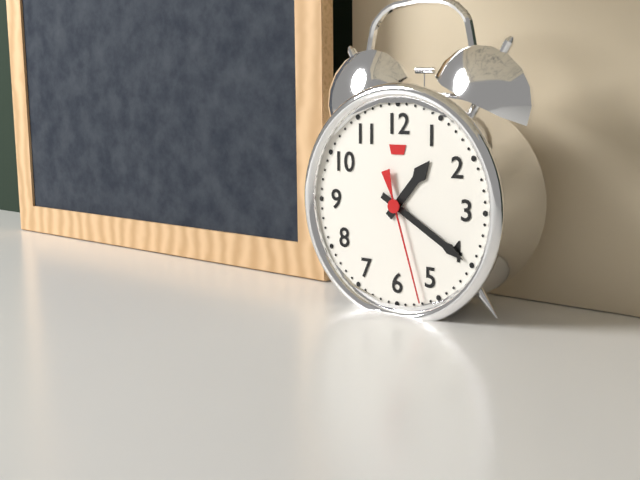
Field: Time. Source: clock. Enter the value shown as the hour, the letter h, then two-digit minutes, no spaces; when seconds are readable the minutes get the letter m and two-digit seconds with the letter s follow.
1h20m27s
